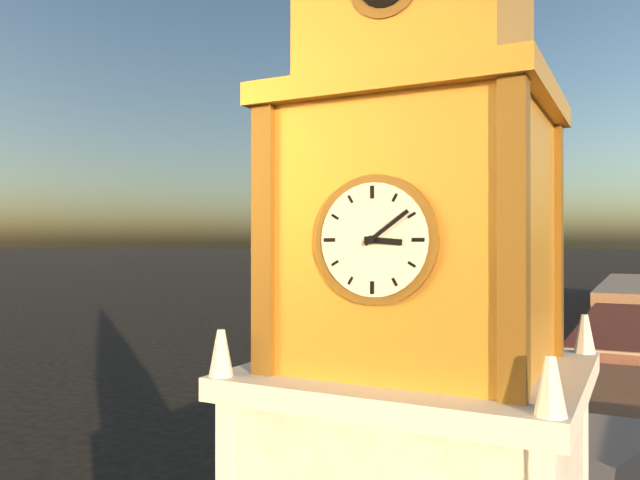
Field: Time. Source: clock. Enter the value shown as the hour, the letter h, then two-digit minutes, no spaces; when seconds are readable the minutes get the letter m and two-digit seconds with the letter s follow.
3h09
